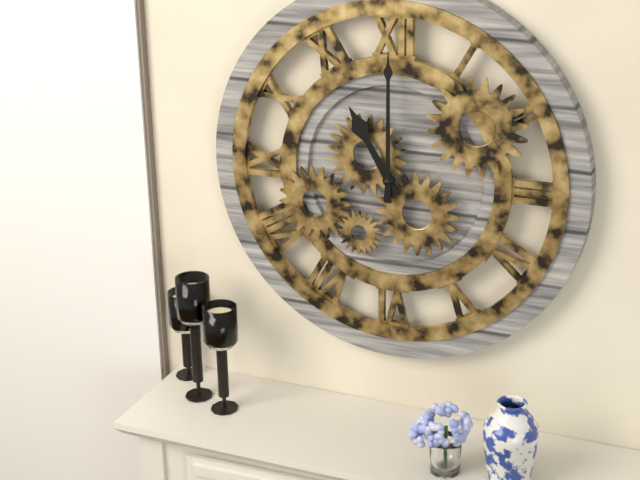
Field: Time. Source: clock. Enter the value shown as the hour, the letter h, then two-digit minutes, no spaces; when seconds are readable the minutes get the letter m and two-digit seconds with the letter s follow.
11h00
